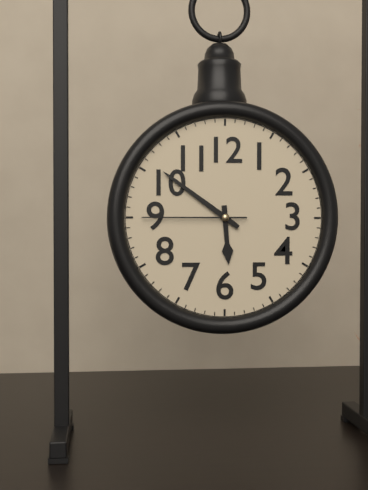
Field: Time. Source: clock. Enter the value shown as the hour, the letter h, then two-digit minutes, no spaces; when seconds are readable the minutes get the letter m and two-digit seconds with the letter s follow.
5h51m45s
